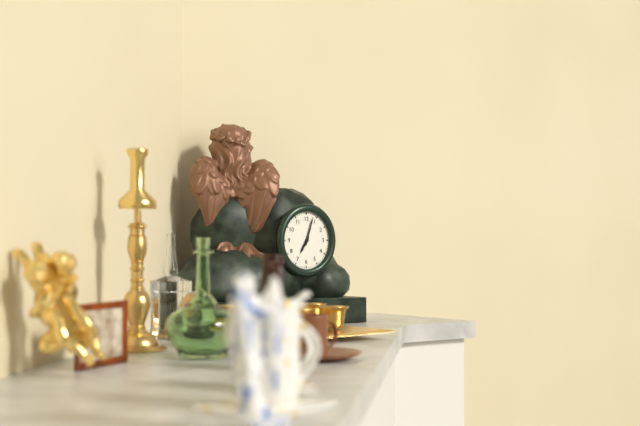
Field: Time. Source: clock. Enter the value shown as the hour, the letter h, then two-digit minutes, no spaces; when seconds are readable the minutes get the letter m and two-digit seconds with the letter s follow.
7h03
